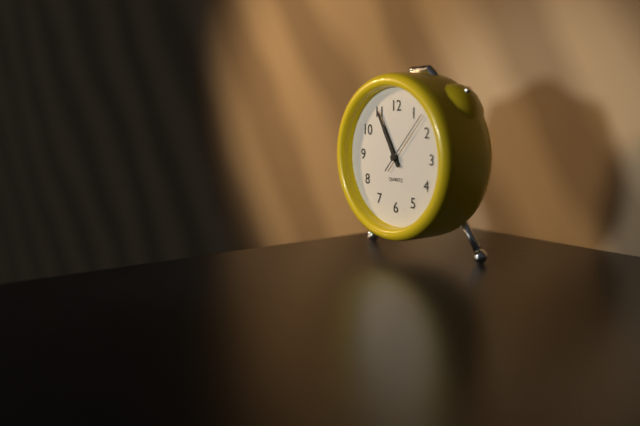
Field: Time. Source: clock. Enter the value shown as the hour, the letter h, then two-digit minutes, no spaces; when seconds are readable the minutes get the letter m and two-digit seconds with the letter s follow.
10h55m07s
